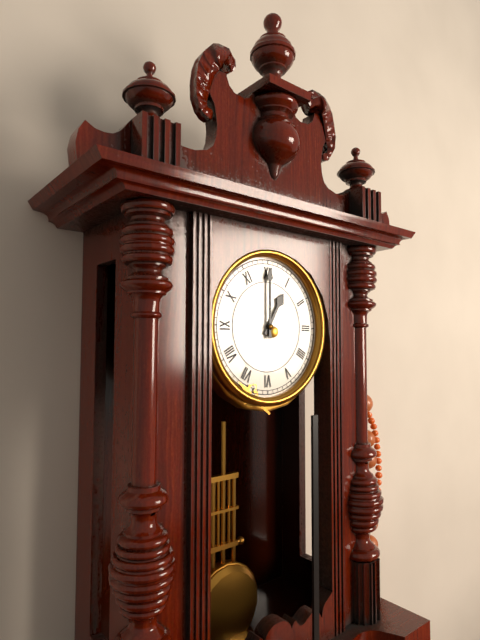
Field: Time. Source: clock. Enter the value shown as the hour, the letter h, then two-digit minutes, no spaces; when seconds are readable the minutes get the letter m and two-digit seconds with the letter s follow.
1h00
